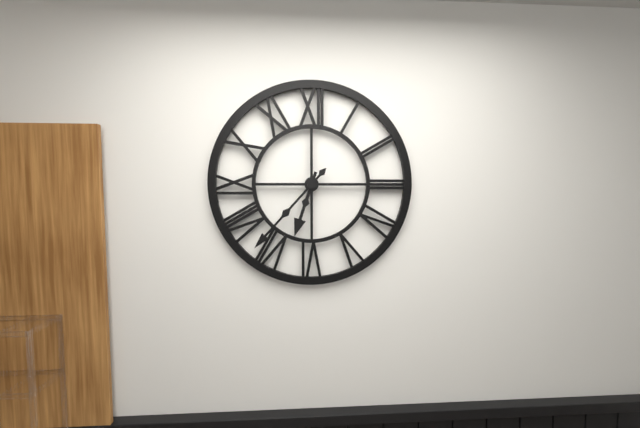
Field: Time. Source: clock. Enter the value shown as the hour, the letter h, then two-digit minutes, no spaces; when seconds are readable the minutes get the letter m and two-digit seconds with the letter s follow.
6h37
